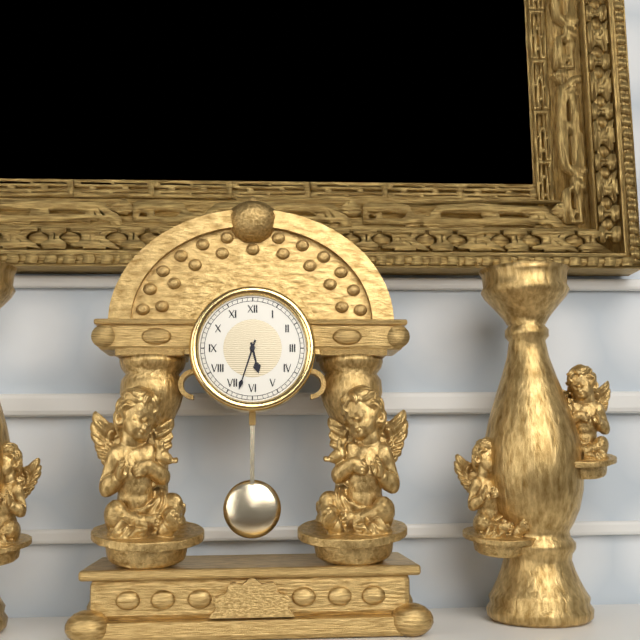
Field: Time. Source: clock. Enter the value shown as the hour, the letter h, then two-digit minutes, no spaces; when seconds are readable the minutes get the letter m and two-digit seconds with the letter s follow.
5h33
